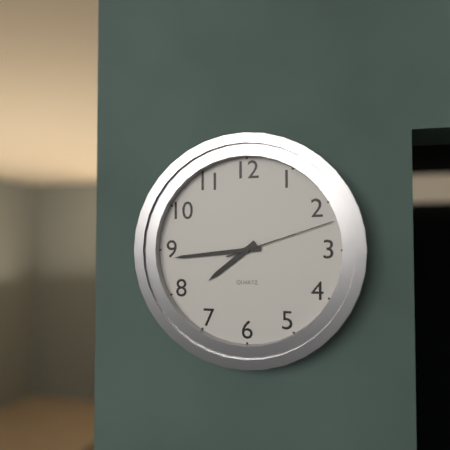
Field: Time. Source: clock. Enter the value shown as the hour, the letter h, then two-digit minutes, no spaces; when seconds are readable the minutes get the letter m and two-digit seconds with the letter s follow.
7h44m12s
